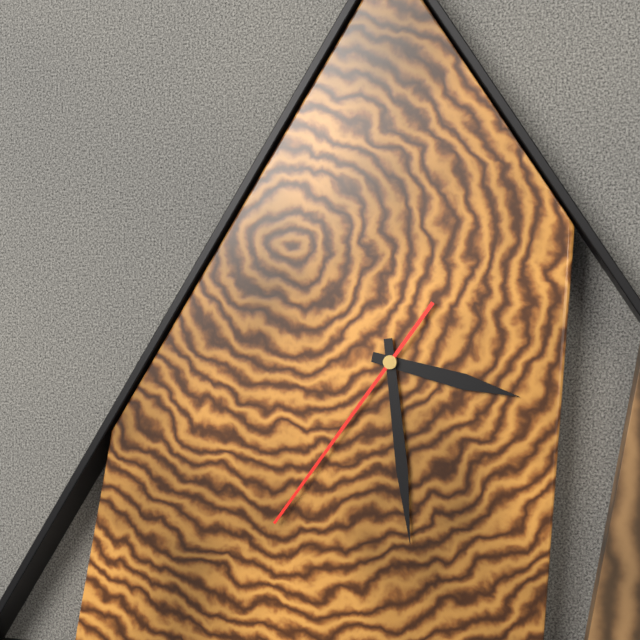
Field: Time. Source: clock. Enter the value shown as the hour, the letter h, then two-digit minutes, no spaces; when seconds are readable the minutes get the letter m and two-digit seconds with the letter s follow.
3h29m36s
